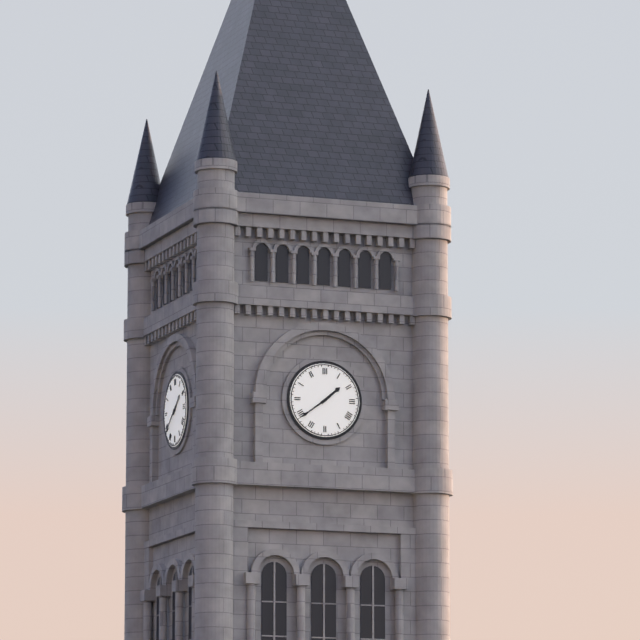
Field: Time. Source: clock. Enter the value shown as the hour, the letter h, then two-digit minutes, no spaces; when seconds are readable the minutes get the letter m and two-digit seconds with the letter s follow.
1h39
